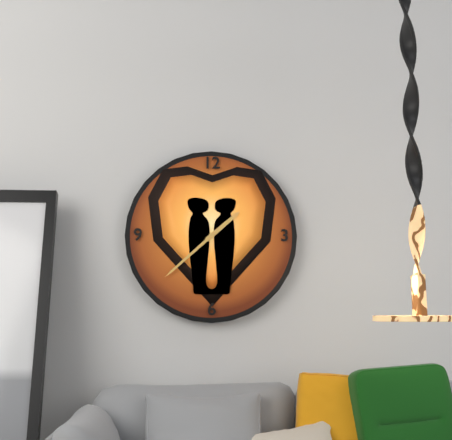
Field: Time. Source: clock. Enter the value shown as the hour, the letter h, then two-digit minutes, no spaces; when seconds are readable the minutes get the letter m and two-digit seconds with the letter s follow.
1h38
